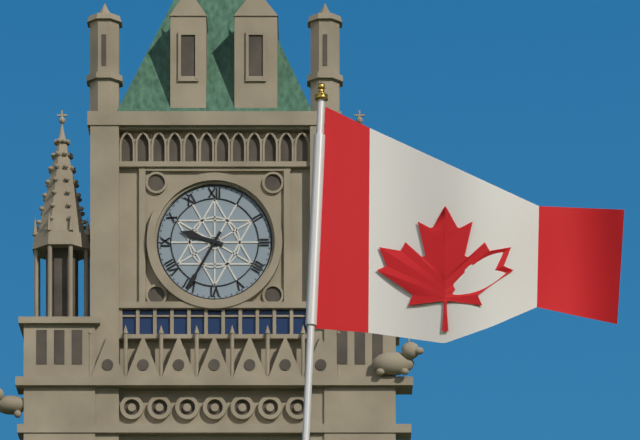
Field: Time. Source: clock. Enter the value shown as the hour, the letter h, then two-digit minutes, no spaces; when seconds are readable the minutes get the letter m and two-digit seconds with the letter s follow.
9h35
